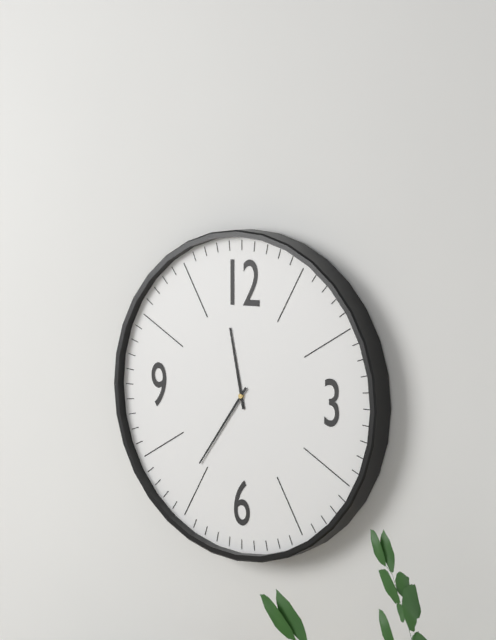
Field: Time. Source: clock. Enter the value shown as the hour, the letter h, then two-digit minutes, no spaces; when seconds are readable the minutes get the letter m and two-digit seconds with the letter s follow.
11h36
